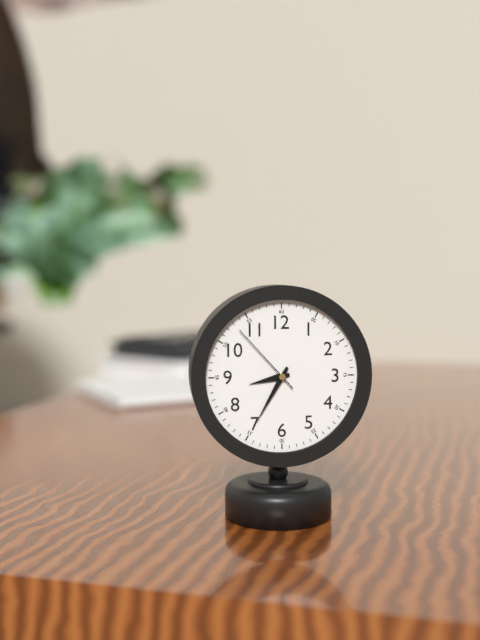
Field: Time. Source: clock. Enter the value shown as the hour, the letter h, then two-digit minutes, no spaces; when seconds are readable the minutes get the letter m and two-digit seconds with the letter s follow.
8h35m53s
